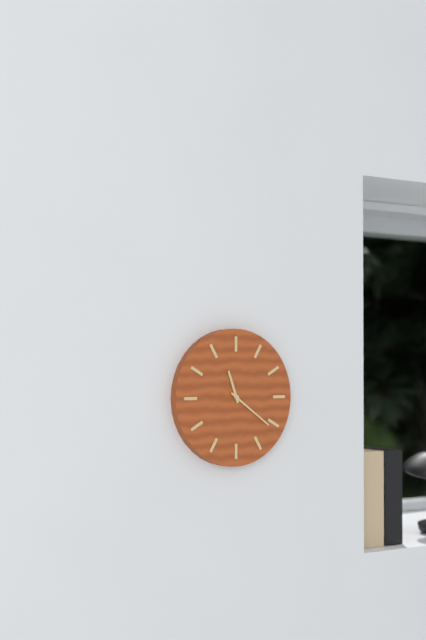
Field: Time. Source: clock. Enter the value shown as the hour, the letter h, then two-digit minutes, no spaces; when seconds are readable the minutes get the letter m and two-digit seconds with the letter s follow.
11h21
